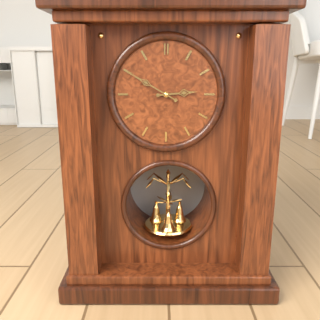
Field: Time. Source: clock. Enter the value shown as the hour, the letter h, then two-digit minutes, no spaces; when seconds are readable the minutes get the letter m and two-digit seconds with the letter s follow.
2h50
